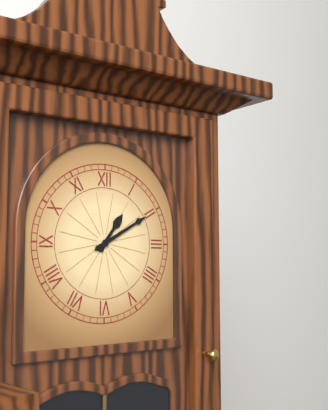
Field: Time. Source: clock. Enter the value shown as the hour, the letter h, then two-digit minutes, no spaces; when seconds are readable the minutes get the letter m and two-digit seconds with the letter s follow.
1h10
